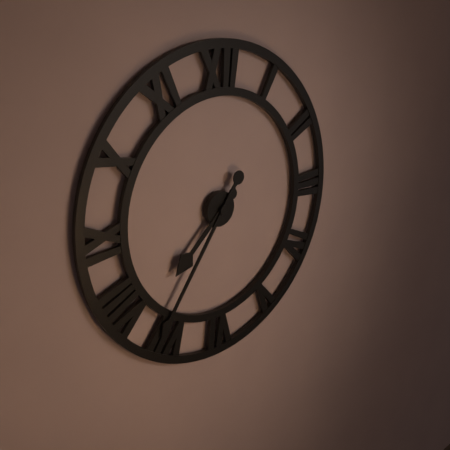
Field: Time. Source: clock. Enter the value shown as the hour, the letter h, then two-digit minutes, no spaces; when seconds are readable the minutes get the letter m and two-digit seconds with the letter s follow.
7h36
